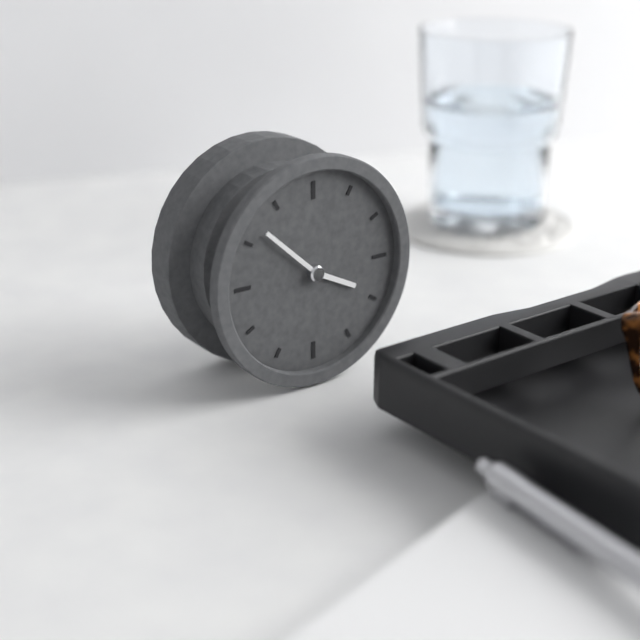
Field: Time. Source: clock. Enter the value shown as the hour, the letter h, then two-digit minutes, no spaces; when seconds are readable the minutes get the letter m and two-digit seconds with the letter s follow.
3h52
